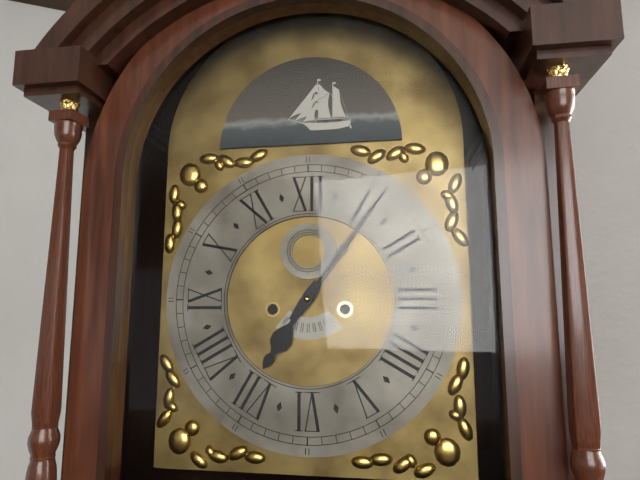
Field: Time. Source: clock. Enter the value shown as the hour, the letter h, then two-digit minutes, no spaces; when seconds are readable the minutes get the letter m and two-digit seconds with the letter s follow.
7h06
